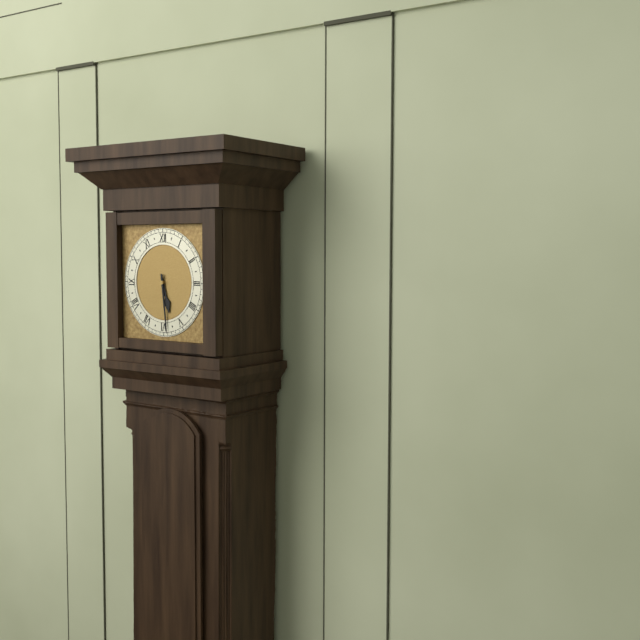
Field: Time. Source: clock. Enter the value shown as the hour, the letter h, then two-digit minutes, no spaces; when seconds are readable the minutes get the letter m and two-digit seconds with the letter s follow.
5h29
